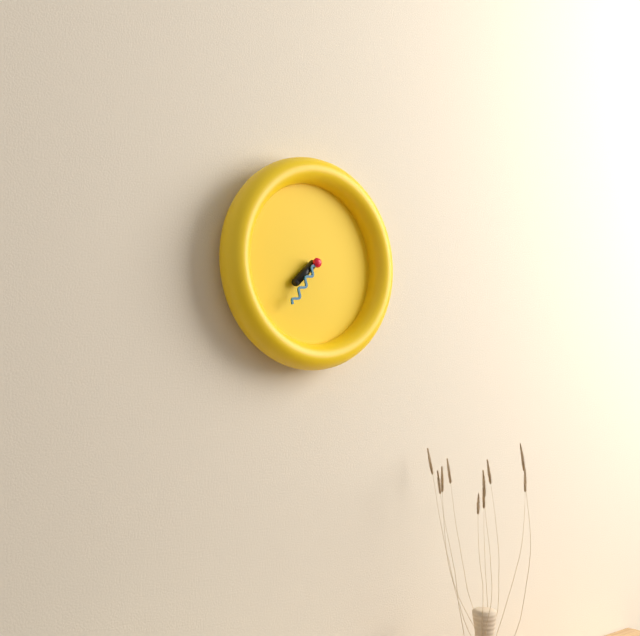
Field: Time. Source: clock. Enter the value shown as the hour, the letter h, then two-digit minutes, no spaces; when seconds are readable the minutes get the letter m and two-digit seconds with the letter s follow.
7h36
